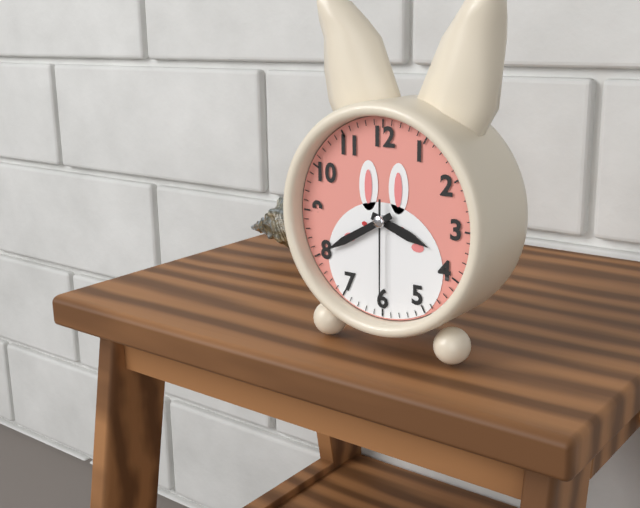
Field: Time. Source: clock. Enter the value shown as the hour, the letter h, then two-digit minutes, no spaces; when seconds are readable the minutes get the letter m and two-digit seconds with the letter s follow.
3h40m30s
